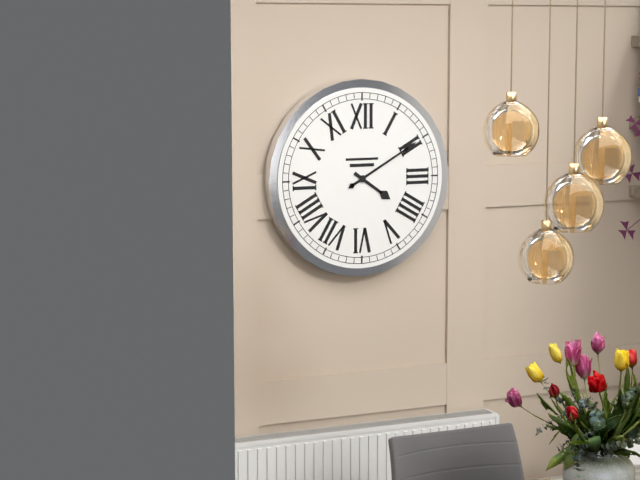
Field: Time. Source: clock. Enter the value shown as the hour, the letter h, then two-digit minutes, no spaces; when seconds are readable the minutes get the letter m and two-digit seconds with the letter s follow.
4h10
